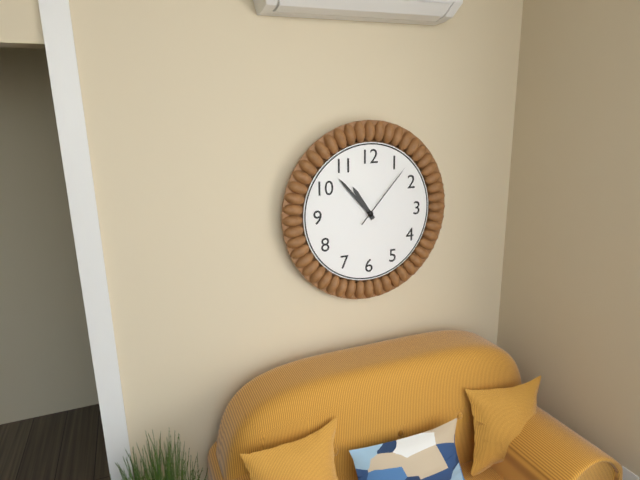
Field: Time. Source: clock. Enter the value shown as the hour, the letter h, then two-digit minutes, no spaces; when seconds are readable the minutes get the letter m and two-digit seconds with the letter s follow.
10h53m07s
